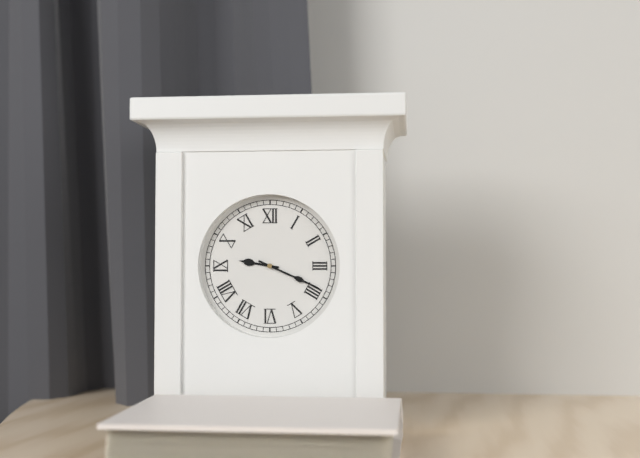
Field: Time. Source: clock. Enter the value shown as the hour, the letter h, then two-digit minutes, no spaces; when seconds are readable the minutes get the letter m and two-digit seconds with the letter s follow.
9h19
